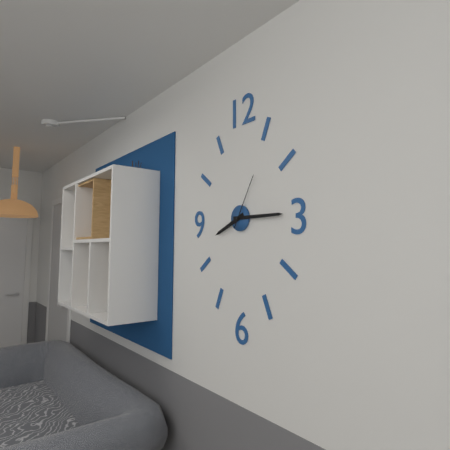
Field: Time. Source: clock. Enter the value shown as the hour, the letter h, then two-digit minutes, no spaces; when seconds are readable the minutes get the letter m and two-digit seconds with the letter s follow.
8h15m05s
